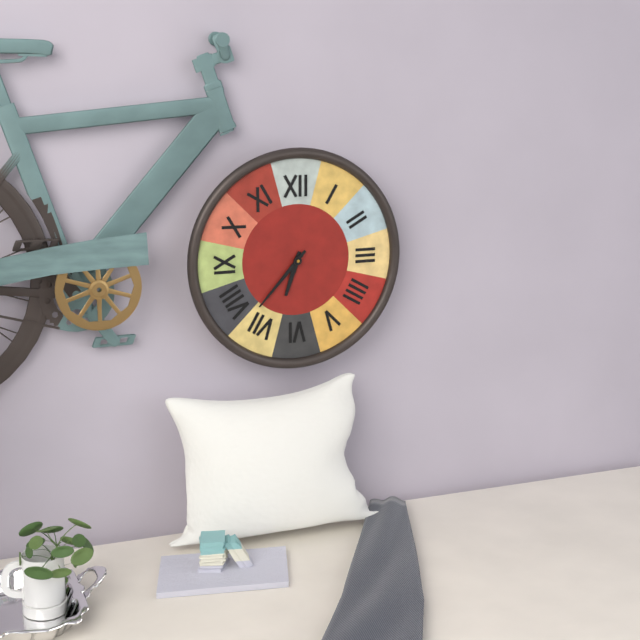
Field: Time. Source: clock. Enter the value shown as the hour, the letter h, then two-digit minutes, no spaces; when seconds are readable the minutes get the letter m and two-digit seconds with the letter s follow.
6h37
